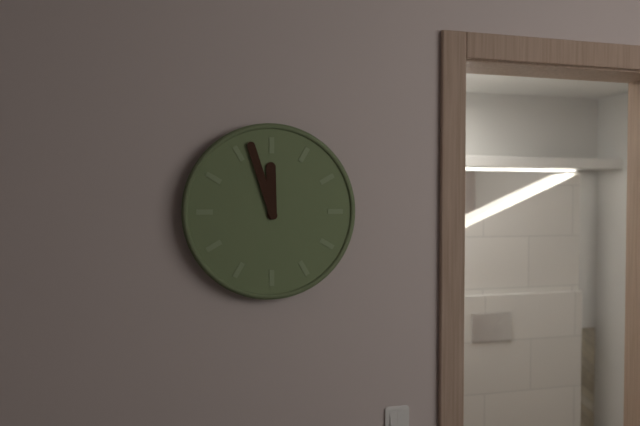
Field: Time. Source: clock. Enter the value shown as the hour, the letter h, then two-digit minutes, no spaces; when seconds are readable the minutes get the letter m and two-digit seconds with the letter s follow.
11h57
